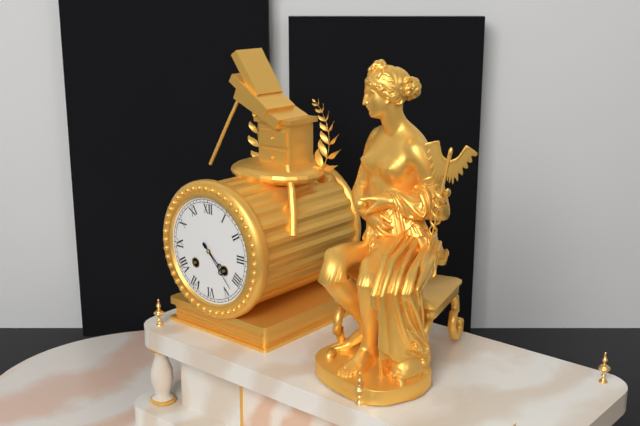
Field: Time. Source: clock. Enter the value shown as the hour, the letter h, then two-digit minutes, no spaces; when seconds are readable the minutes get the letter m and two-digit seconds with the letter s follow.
4h23
